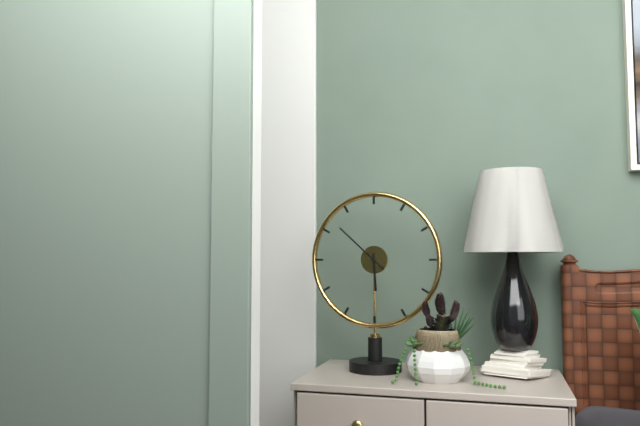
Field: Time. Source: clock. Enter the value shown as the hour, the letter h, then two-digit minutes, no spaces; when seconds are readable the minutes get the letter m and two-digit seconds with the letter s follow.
5h52
